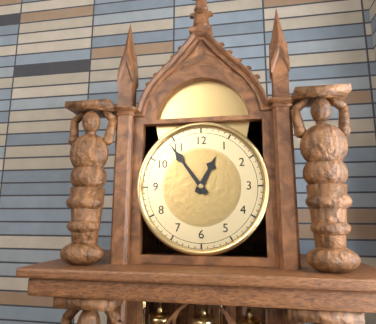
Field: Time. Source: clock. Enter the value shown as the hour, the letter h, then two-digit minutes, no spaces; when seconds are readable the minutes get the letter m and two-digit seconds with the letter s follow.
12h54
